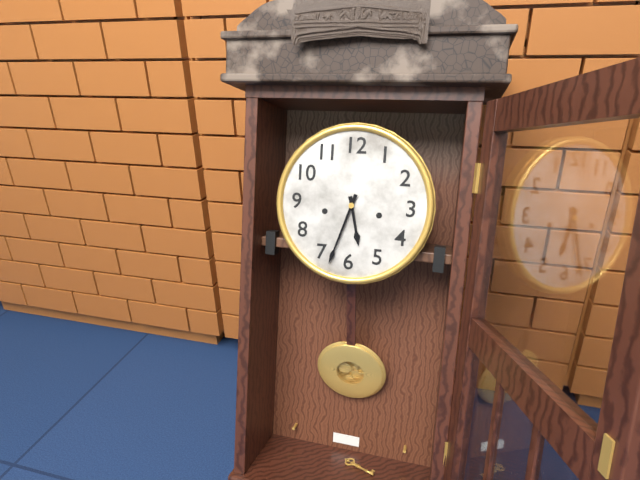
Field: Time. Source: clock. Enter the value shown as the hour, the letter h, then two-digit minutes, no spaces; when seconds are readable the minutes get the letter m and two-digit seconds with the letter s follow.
5h33
